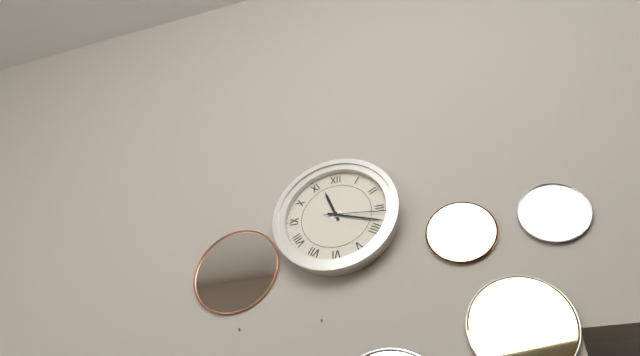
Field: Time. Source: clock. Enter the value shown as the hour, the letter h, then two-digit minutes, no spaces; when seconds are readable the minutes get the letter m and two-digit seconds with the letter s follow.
11h18m16s
